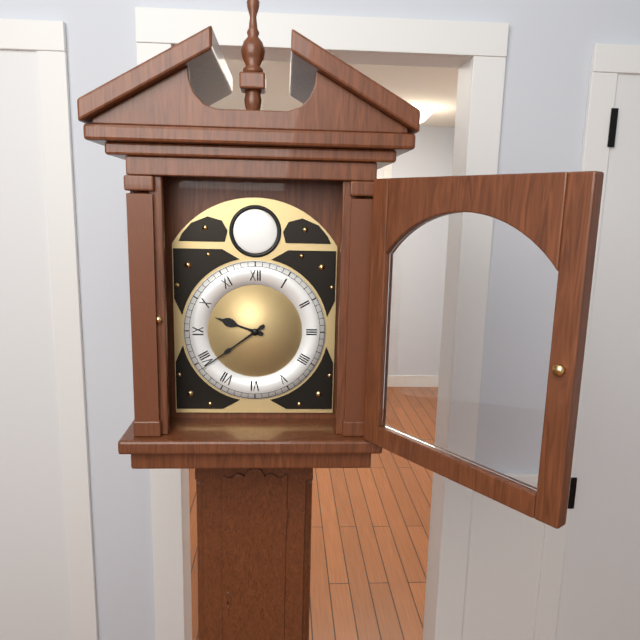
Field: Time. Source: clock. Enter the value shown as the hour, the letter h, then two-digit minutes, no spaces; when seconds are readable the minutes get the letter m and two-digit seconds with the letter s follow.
9h39
